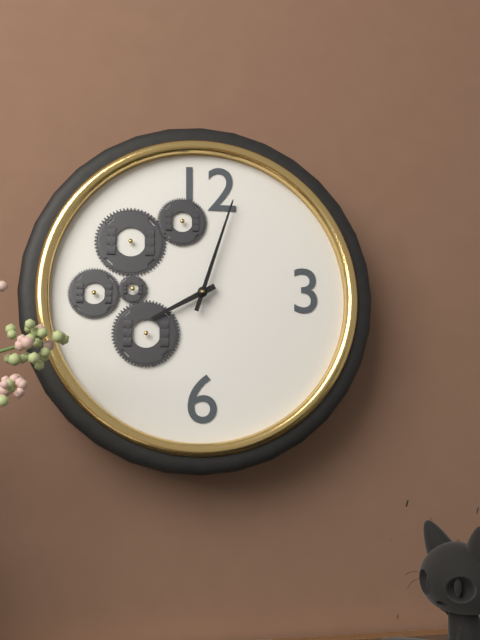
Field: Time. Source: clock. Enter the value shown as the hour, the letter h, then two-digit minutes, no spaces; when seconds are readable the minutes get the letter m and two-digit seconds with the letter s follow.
8h03
